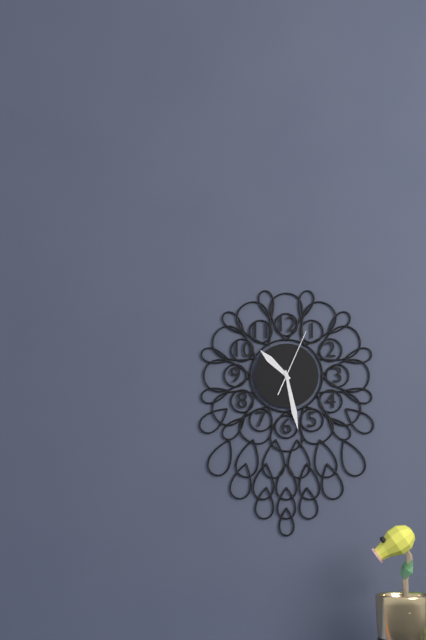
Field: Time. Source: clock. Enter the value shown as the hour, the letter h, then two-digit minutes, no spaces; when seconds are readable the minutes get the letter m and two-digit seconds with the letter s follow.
10h28m04s
